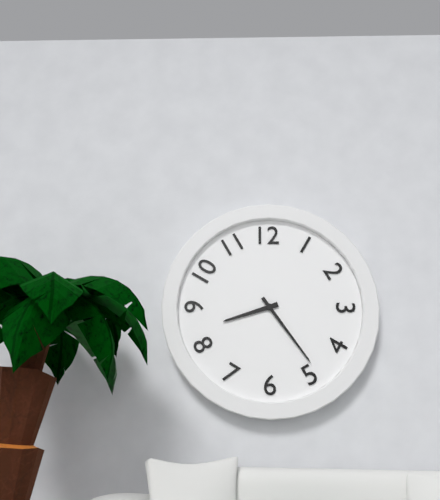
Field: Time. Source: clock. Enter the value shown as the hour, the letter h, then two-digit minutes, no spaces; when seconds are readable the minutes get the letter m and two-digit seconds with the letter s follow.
8h24
